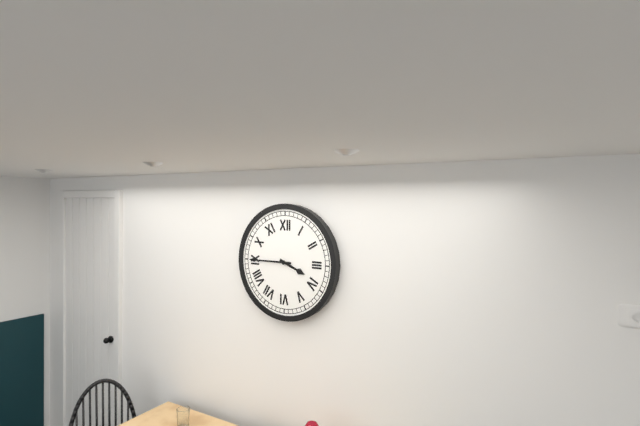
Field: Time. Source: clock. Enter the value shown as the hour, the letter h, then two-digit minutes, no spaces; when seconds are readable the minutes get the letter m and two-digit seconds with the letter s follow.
3h45
